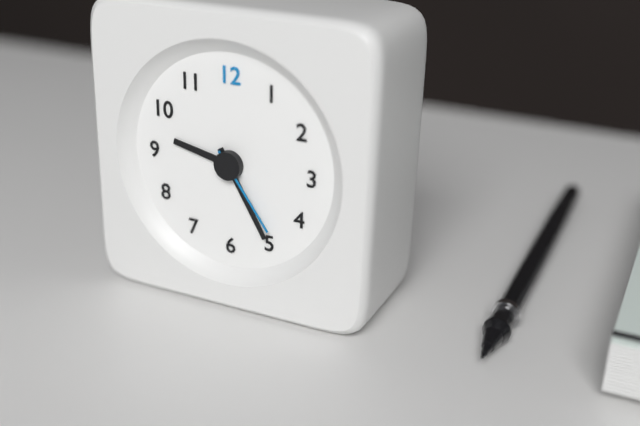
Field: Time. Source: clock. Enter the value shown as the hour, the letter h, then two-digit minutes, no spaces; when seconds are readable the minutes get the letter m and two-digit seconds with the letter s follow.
9h25m24s
